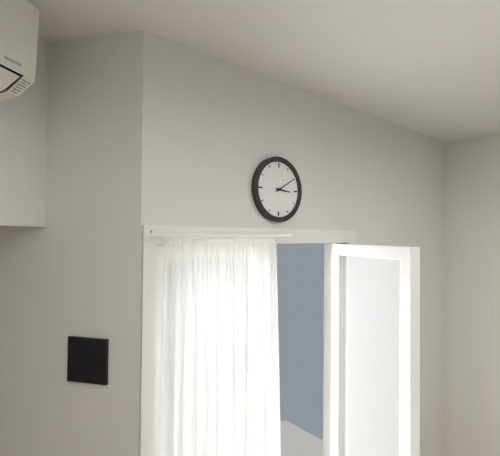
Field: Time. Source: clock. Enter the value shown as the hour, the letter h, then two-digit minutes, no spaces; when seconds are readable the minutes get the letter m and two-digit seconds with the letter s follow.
3h10
